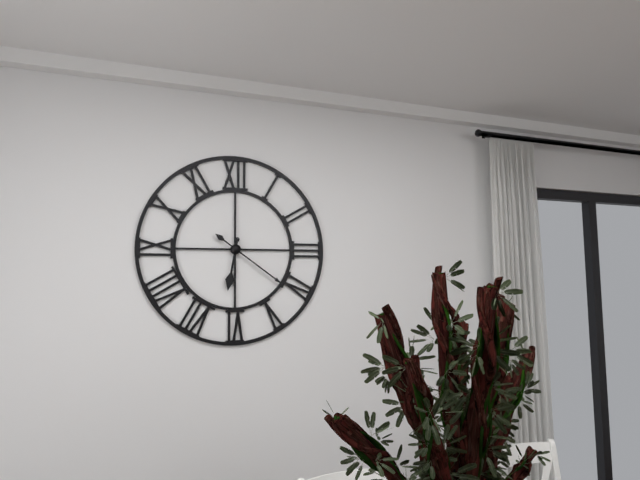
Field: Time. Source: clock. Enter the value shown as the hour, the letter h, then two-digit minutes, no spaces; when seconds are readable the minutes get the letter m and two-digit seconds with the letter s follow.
6h21
